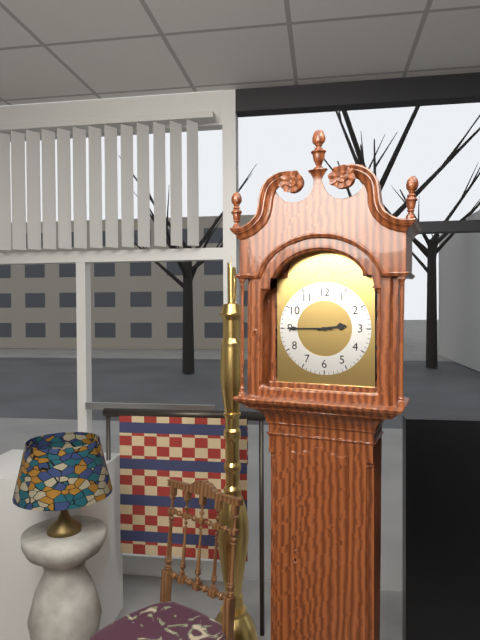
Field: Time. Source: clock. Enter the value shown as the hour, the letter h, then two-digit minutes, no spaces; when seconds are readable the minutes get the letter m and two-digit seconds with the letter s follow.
2h45
